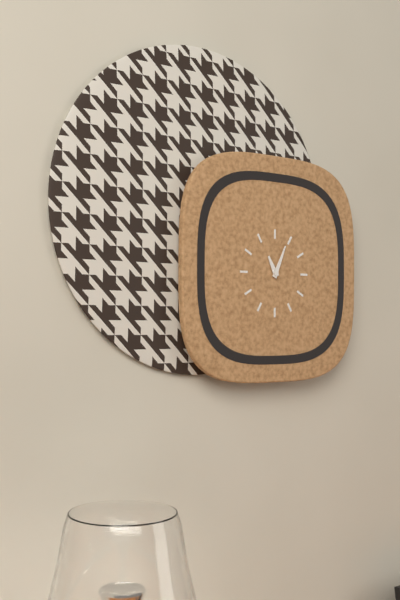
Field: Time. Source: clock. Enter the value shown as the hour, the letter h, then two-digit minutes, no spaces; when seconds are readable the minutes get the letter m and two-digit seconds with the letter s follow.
11h04
